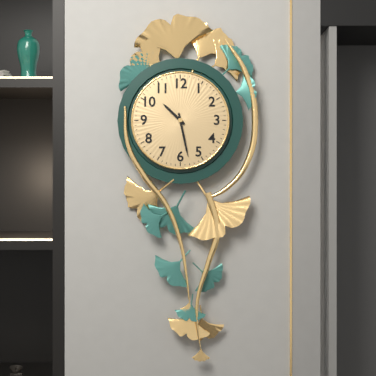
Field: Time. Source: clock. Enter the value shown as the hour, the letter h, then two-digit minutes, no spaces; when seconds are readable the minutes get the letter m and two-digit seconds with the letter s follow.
10h28
